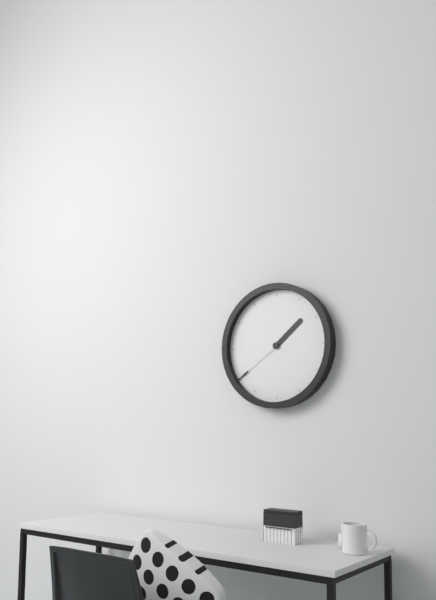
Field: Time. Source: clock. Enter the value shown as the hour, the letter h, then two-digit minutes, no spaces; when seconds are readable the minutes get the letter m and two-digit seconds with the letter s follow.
1h39
